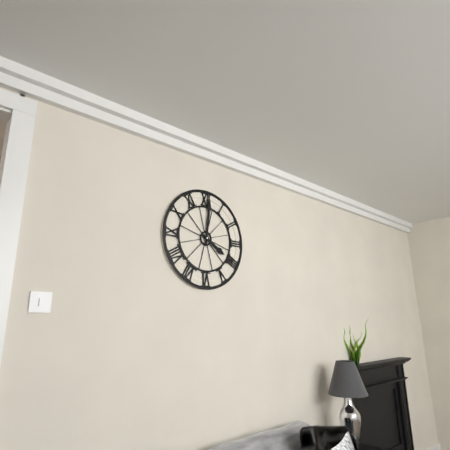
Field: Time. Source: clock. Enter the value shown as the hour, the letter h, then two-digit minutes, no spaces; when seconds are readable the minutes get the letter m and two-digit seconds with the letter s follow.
4h01
